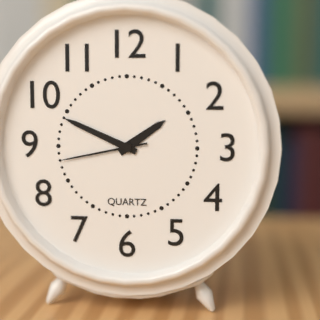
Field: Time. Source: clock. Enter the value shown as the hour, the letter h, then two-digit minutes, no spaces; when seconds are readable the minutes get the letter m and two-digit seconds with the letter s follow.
1h49m43s
